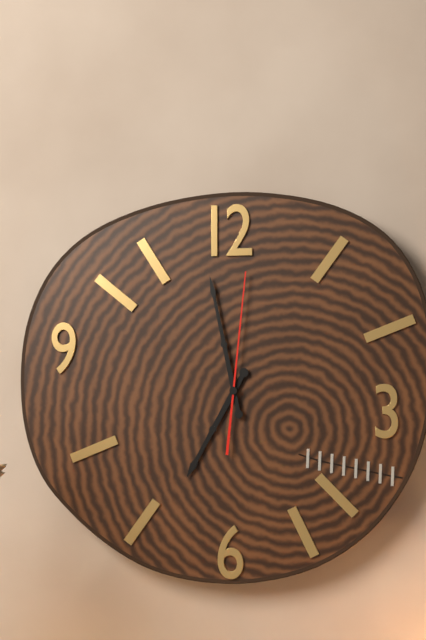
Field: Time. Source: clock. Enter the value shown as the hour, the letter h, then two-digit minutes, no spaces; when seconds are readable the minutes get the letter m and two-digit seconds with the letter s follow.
6h58m01s
